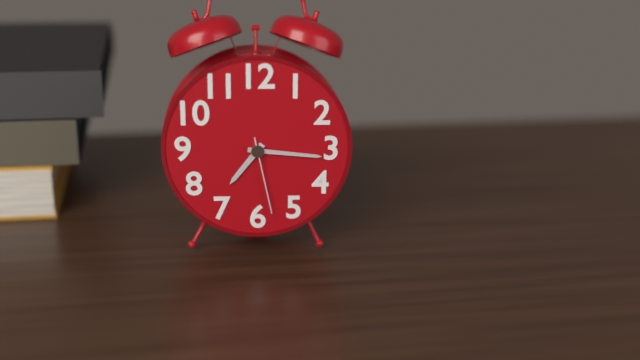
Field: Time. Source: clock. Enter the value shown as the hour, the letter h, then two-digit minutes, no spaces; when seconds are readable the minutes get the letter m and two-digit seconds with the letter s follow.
7h16m28s
